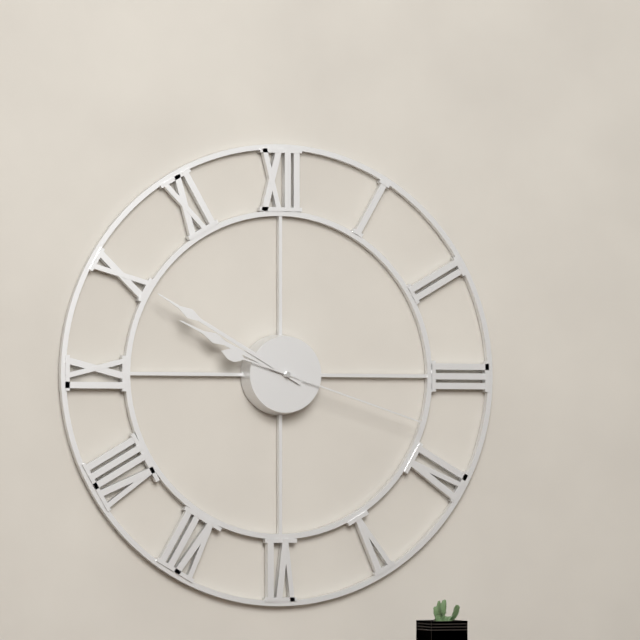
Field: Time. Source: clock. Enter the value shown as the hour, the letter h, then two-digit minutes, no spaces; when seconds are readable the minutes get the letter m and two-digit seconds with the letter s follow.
9h50m18s
